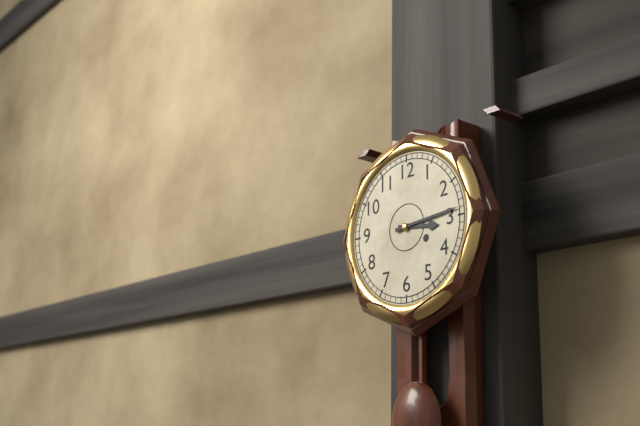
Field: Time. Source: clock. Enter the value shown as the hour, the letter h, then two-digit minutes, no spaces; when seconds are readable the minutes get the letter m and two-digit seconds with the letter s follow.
3h14
